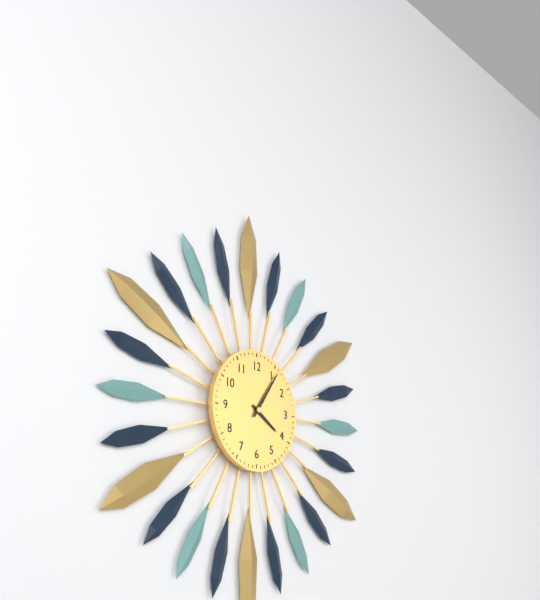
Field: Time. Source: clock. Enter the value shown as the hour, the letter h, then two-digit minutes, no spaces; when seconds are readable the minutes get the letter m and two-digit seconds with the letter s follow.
4h06
